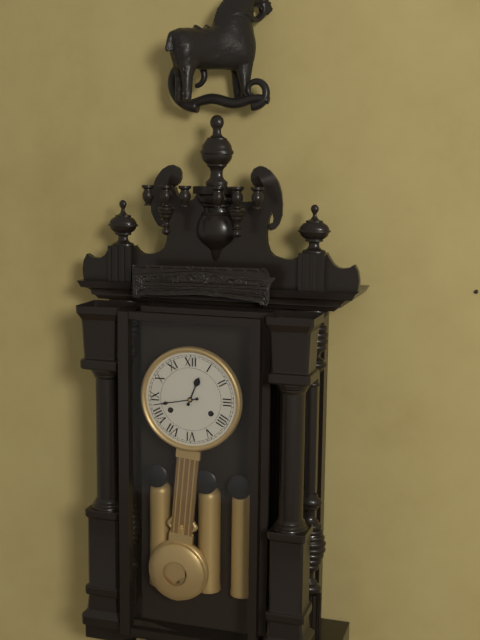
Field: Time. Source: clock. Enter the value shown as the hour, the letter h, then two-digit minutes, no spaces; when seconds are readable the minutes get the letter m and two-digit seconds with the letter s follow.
12h43
